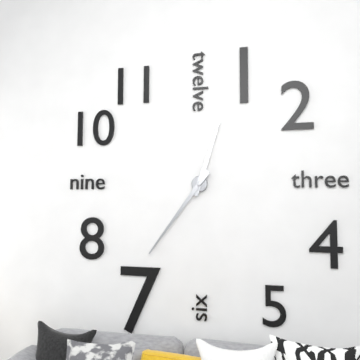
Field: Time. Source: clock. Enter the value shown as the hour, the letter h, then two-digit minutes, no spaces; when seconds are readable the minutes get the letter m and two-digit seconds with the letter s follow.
12h36
